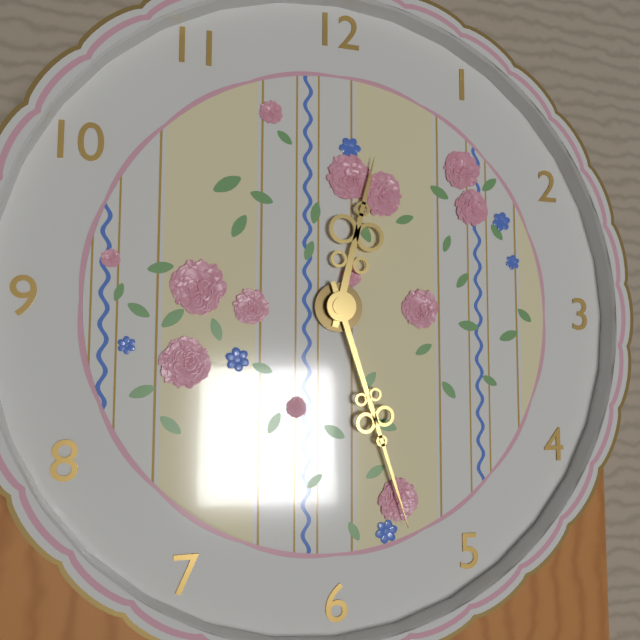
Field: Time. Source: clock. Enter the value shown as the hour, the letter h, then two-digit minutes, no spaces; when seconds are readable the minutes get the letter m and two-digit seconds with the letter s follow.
12h27
